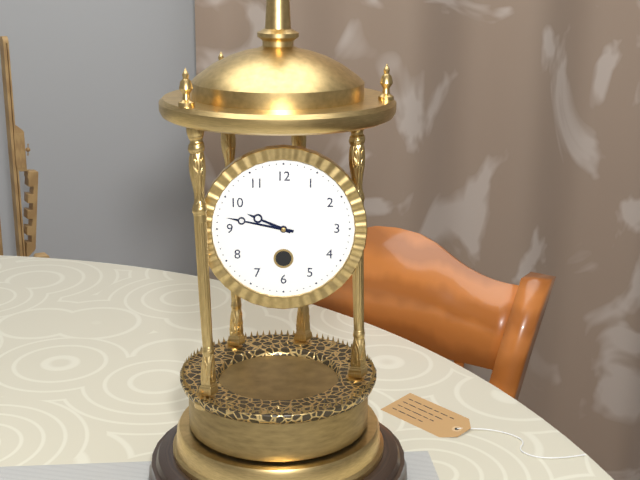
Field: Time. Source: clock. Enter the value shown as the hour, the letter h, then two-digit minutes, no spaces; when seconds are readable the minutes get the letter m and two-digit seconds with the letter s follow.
9h47
